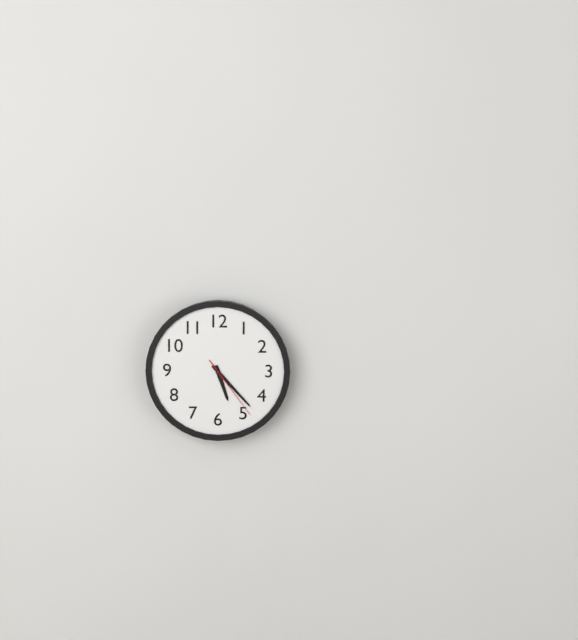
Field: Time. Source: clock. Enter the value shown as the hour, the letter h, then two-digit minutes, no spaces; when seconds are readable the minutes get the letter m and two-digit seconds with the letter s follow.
5h23m24s
